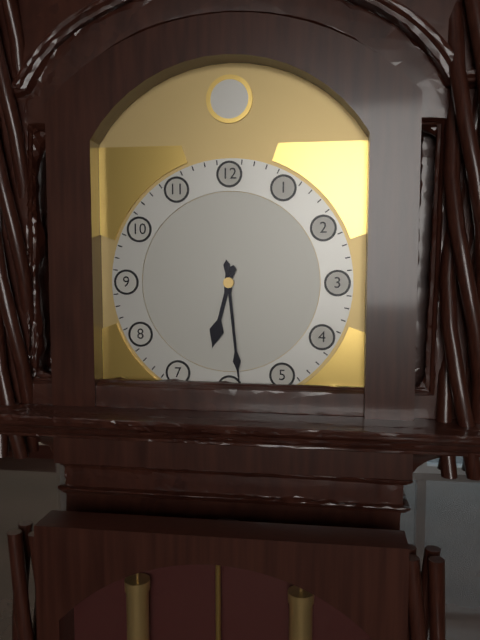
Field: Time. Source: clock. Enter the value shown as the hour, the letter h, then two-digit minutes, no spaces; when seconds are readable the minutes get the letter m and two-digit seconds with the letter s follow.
6h29
